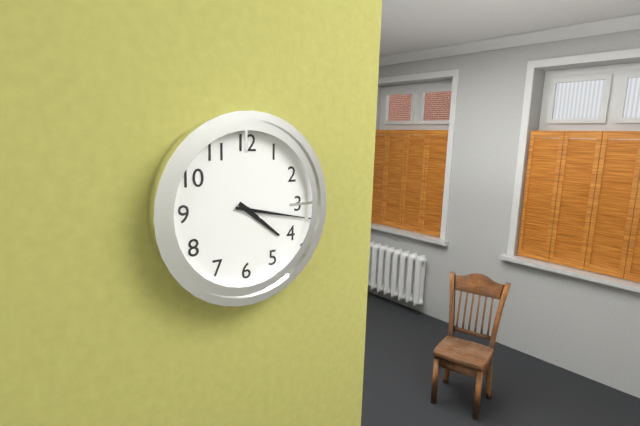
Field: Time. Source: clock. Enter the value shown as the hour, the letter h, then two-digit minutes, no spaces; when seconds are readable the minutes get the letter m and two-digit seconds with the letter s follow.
4h17
